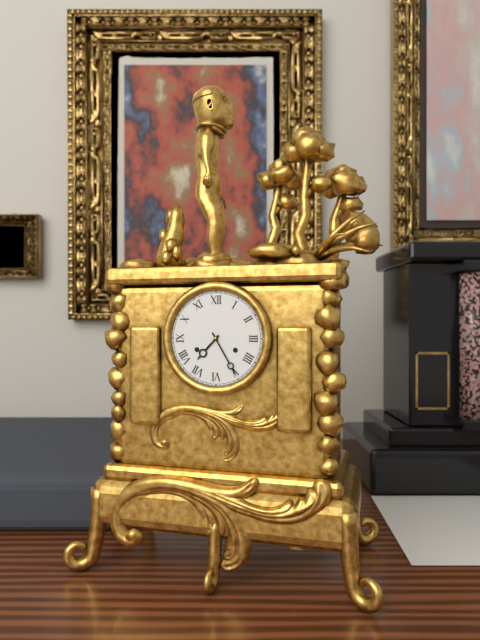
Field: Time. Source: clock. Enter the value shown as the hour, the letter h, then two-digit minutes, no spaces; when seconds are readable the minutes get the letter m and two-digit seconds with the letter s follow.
7h25
